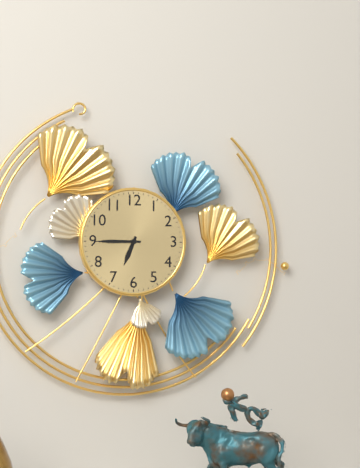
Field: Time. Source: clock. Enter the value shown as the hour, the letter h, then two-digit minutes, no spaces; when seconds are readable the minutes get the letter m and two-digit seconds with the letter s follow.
6h45
